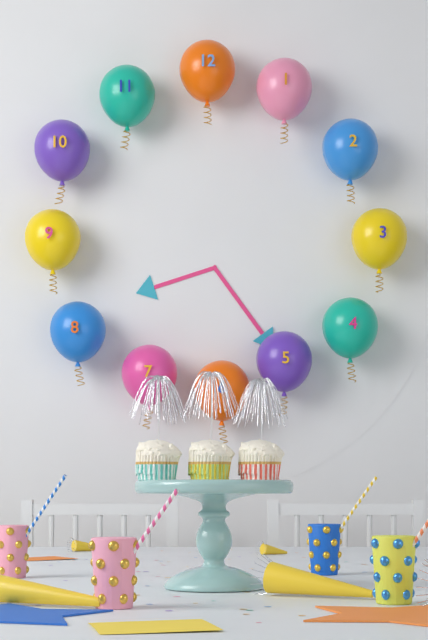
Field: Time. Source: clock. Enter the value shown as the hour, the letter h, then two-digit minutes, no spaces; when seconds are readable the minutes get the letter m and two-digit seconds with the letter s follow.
8h24
